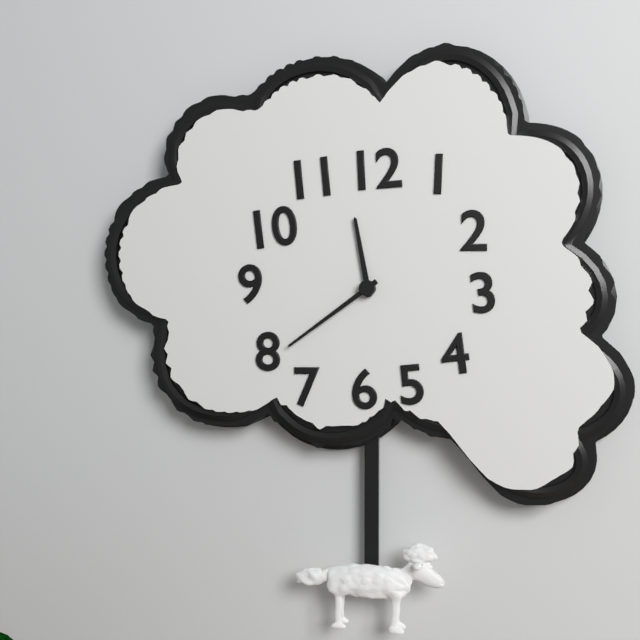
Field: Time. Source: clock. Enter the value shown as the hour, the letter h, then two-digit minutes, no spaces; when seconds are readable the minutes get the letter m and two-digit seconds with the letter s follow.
11h39
